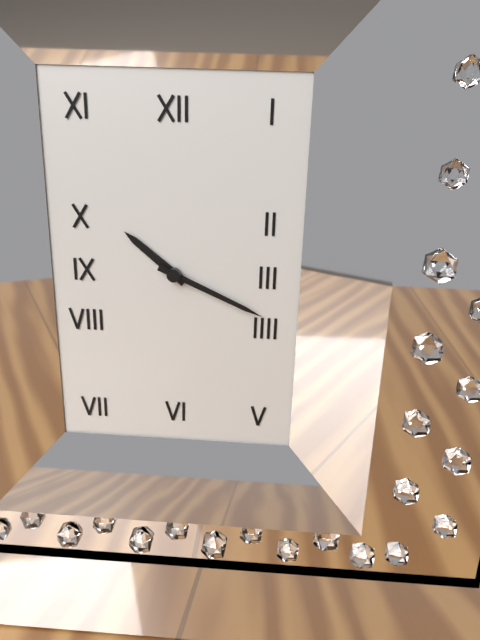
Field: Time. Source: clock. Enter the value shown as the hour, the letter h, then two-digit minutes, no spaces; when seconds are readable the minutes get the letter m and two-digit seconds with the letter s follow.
10h19
